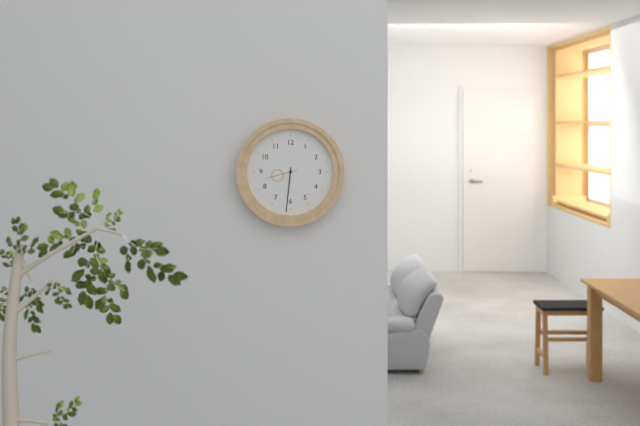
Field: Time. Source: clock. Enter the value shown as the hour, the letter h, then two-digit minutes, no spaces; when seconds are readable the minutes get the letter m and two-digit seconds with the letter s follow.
8h31
